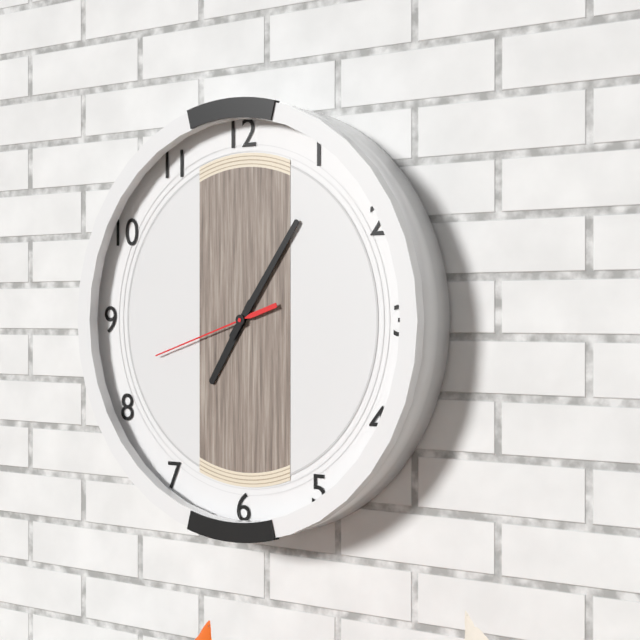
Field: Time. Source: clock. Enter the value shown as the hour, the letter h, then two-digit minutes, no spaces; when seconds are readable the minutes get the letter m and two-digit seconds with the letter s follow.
7h06m42s
